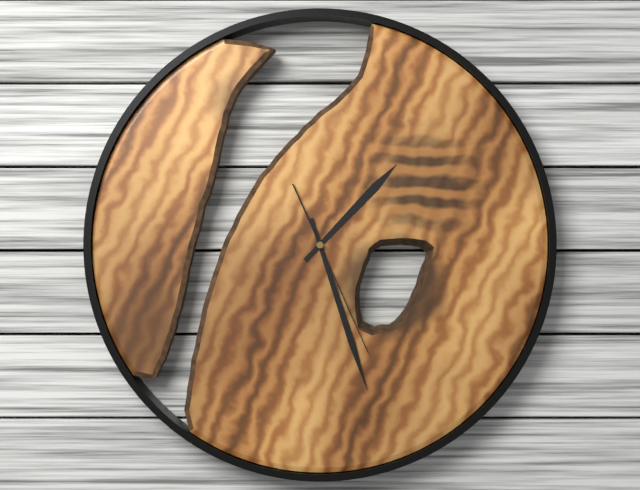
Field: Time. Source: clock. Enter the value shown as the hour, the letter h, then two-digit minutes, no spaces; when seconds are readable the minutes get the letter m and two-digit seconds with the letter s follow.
1h27m26s
